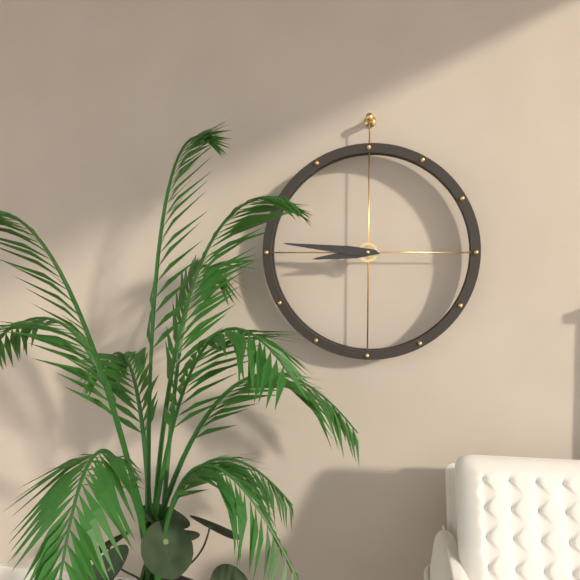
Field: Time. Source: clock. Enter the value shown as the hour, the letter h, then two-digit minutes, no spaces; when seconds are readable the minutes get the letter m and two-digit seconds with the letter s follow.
8h46
